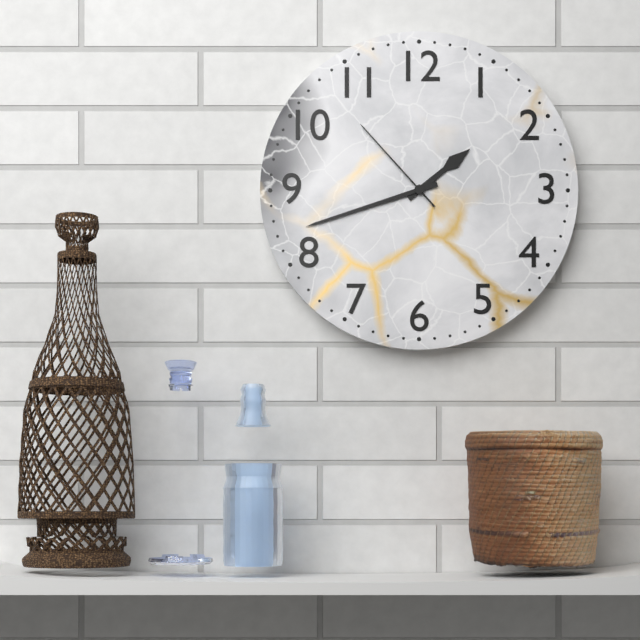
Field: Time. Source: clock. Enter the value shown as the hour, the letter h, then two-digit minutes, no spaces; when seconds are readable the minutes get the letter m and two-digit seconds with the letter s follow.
1h42m53s
